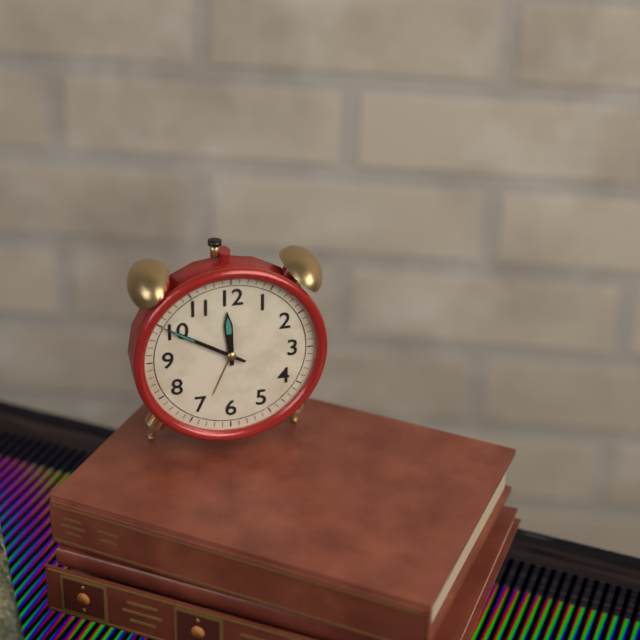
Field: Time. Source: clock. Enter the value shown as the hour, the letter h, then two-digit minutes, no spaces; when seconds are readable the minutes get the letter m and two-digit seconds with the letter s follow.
11h50
